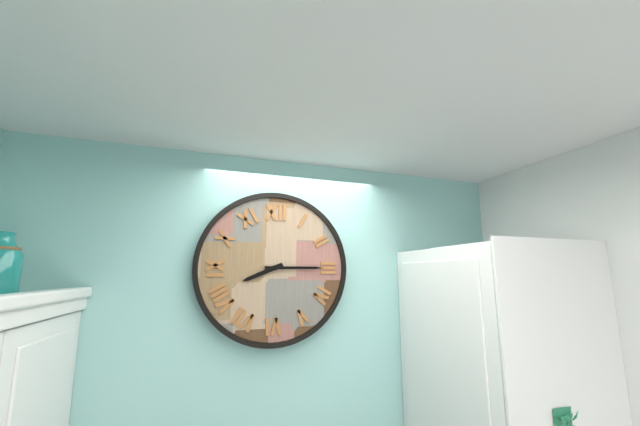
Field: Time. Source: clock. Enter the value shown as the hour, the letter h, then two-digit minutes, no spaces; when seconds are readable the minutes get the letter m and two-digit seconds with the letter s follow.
8h15
